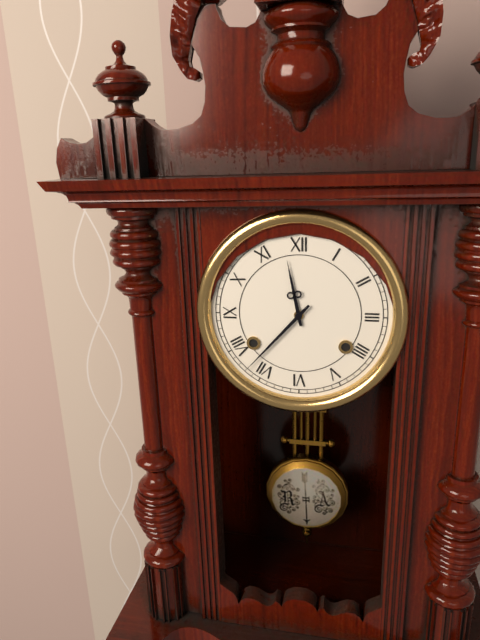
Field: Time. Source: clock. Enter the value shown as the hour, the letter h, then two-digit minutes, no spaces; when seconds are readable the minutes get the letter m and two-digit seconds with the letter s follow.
11h37
